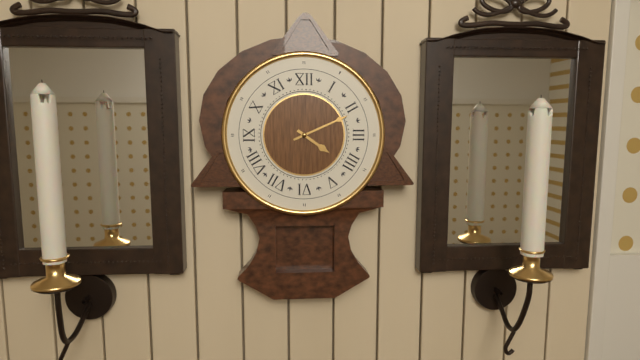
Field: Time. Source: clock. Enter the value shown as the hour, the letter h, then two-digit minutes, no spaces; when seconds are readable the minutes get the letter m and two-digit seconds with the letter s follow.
4h11
